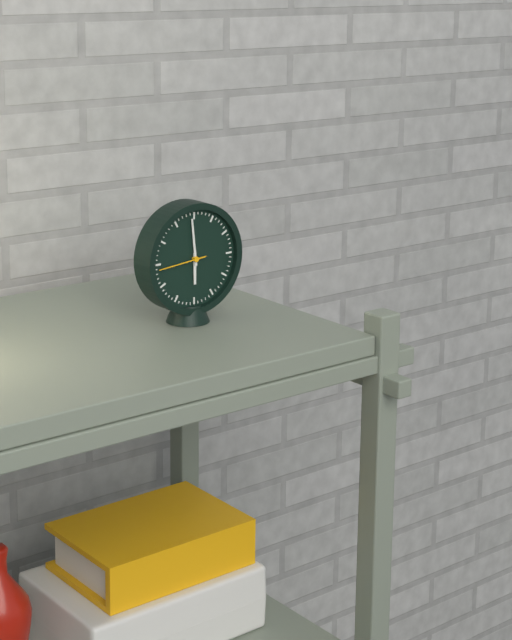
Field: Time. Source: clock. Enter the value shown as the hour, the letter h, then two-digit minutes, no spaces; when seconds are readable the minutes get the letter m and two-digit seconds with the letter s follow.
5h59
